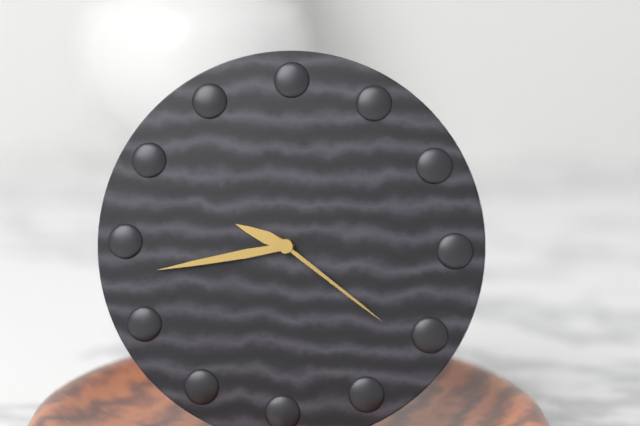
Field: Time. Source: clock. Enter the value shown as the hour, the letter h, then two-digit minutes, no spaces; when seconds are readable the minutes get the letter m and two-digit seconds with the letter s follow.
9h43m21s
